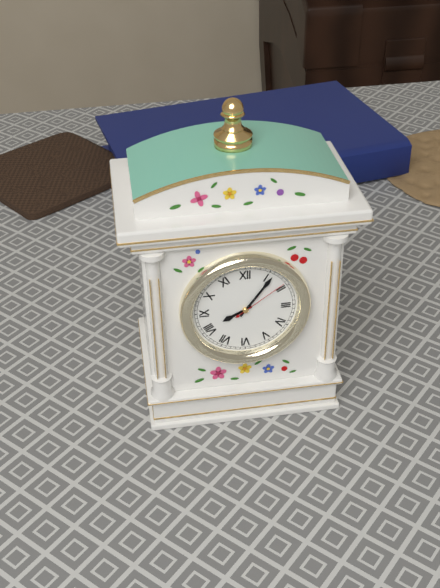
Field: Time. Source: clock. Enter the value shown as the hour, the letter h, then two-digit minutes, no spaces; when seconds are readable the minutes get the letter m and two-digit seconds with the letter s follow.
8h06m09s
